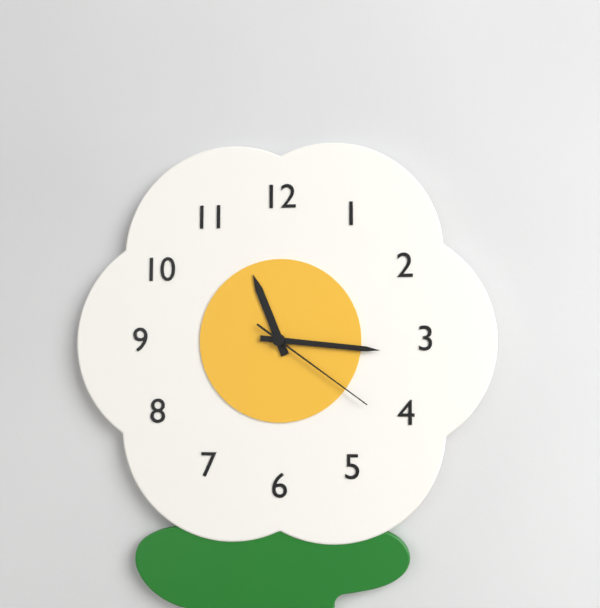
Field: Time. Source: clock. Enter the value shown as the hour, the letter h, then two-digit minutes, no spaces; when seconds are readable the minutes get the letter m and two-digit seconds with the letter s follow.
11h16m21s
